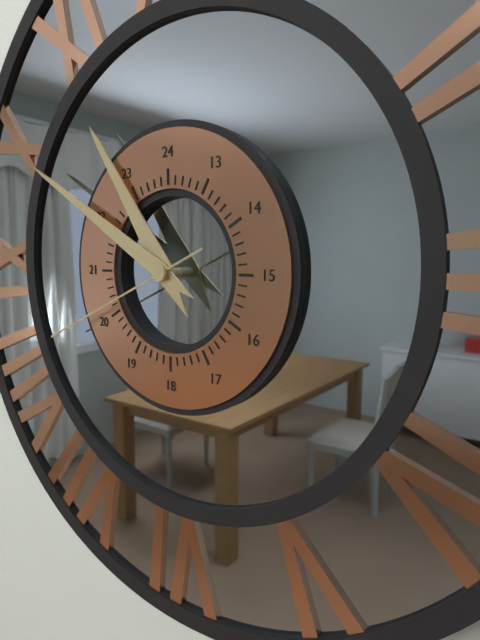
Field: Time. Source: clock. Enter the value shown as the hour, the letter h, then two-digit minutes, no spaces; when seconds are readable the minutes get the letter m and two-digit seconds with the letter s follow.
10h50m41s
